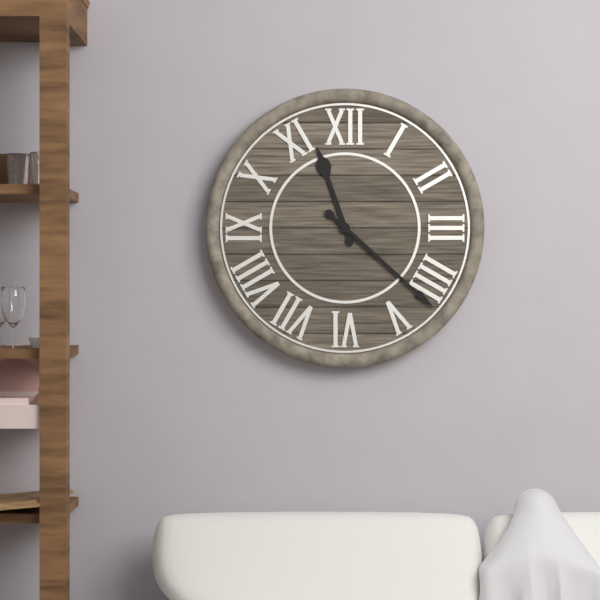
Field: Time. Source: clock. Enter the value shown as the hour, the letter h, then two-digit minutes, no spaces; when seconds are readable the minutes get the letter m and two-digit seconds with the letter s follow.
11h22
